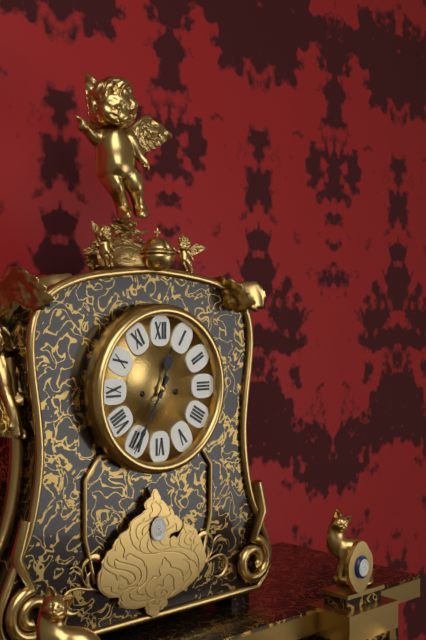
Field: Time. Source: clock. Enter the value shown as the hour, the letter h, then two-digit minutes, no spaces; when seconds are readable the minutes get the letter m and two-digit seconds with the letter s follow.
12h35
